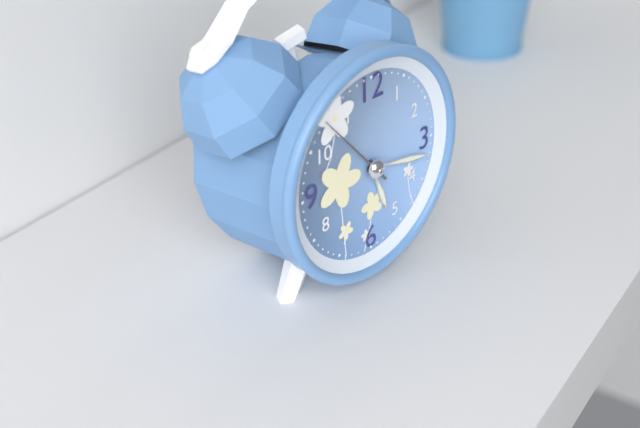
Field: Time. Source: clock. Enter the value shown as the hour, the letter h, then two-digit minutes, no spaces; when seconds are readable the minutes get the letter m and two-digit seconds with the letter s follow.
5h17m53s
